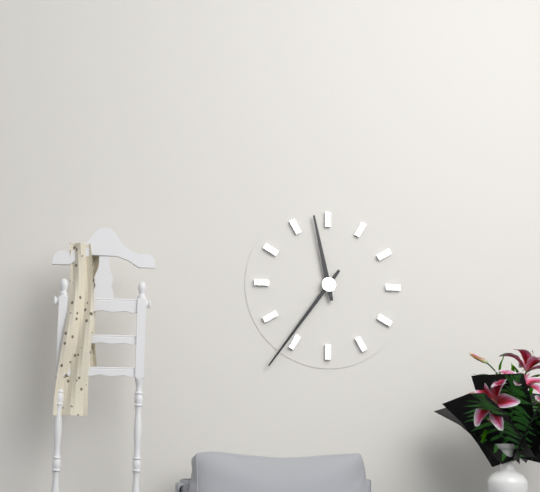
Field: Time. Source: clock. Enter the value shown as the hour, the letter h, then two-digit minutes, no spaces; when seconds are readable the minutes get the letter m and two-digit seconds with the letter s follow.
11h36
